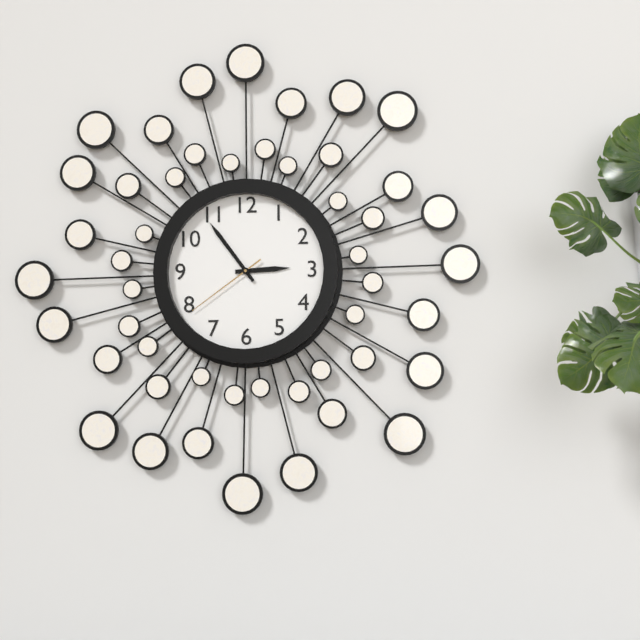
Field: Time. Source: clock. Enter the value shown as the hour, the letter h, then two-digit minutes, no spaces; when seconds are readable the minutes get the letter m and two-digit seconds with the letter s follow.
2h54m39s
